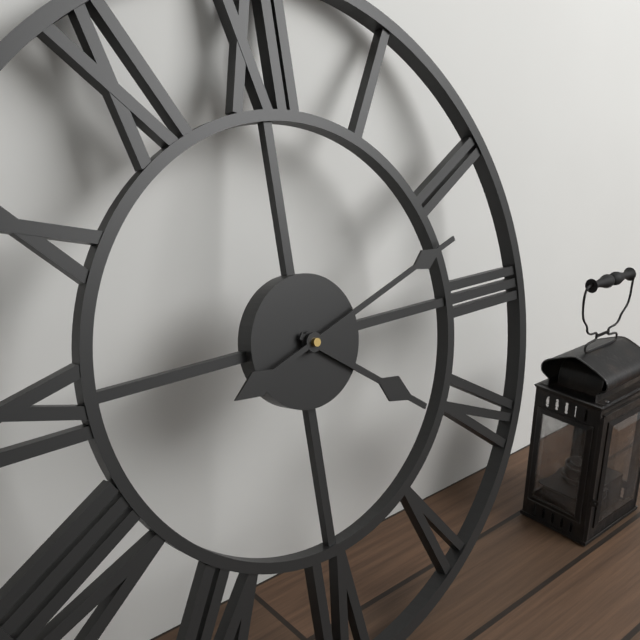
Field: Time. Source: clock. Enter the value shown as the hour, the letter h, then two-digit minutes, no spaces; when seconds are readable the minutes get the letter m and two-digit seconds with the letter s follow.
4h12
